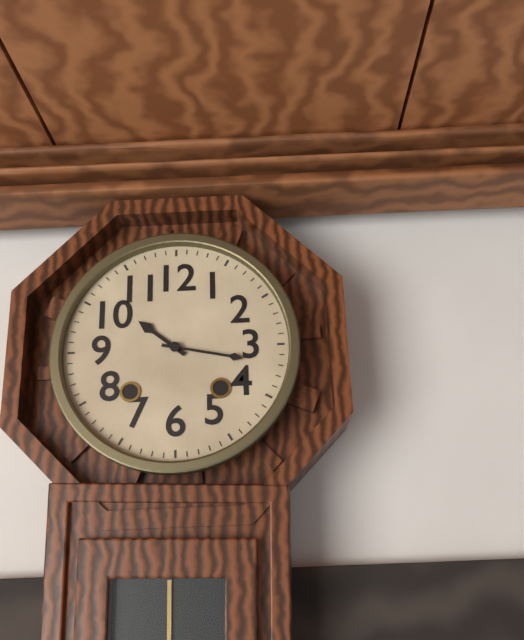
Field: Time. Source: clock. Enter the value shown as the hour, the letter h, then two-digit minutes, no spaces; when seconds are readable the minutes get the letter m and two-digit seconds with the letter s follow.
10h17
